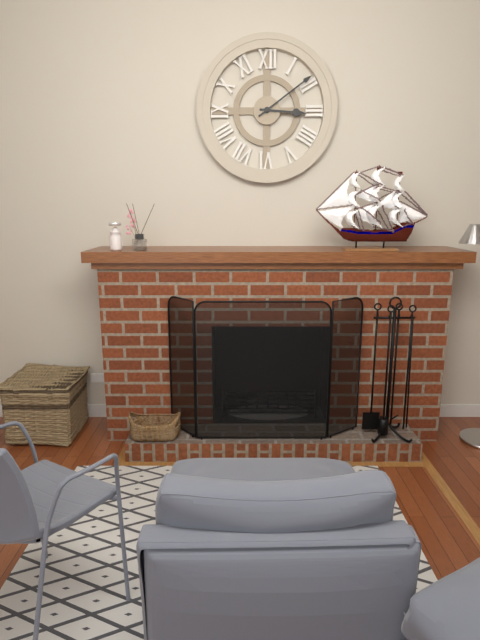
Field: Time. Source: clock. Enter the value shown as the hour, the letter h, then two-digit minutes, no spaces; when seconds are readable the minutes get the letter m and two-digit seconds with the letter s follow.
3h09
